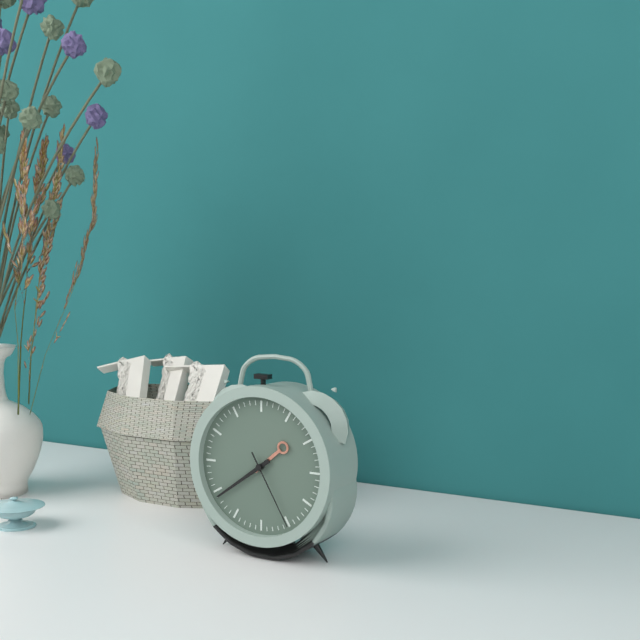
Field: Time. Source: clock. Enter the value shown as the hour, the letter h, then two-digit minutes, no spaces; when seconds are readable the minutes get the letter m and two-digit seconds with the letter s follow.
1h39m25s
